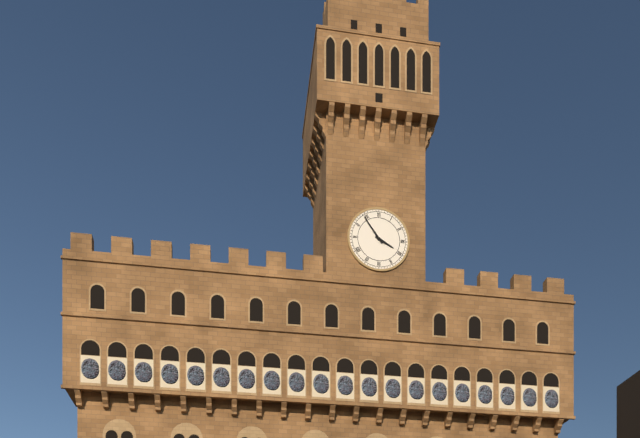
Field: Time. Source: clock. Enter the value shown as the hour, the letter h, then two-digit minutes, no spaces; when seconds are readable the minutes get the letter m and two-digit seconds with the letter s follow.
3h54
